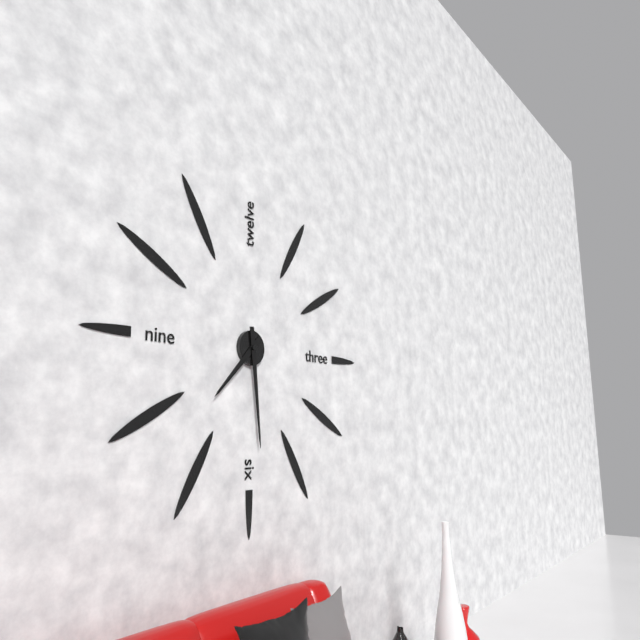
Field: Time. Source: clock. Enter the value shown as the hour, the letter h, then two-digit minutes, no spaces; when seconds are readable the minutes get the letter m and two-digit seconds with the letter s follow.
7h29
